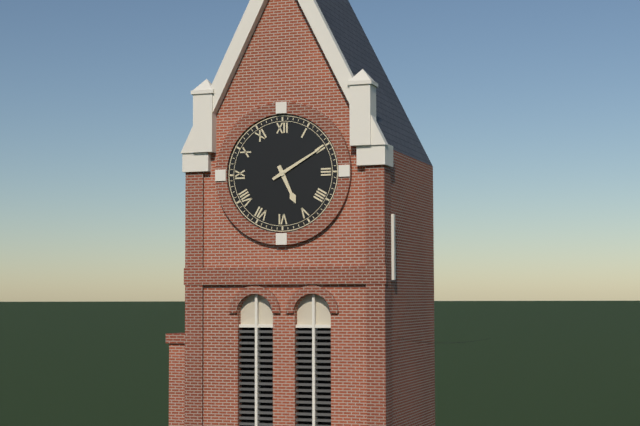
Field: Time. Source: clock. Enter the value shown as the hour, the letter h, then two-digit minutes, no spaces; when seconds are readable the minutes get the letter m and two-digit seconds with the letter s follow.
5h10
